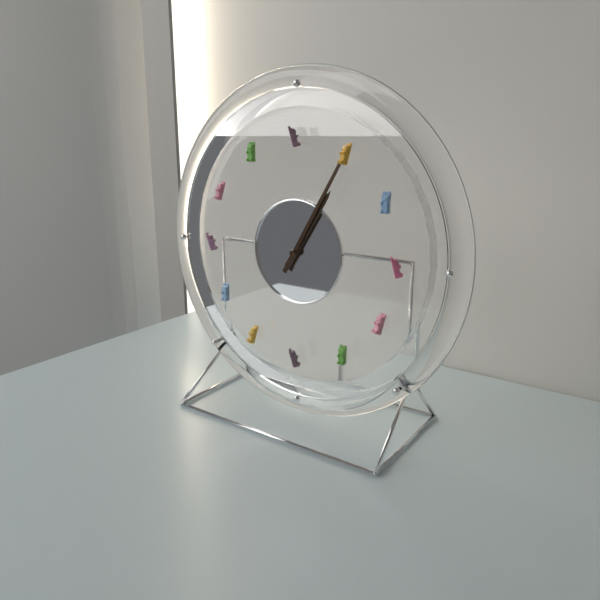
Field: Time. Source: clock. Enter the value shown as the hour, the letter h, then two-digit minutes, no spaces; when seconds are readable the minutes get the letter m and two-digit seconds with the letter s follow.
1h05
